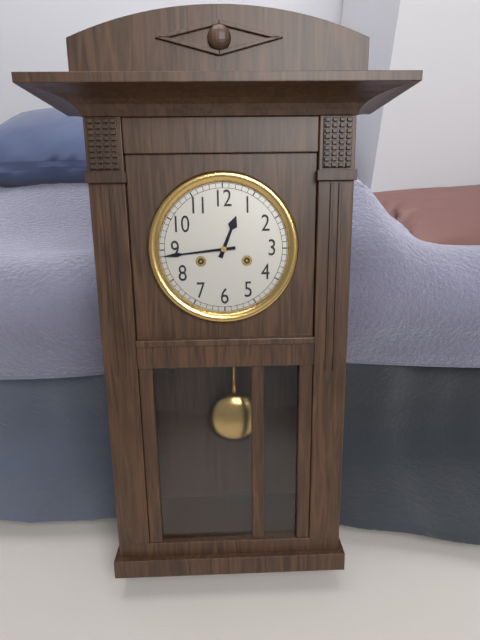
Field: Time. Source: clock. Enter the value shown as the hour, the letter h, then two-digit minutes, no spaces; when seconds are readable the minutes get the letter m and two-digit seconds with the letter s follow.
12h44
